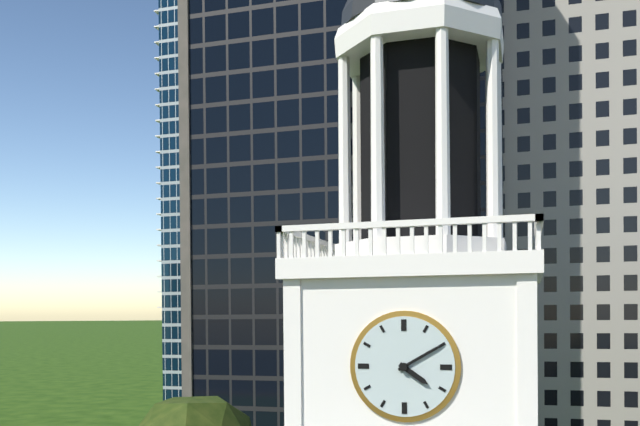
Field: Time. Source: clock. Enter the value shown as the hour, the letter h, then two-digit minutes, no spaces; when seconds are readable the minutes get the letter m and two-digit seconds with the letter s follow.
4h10
